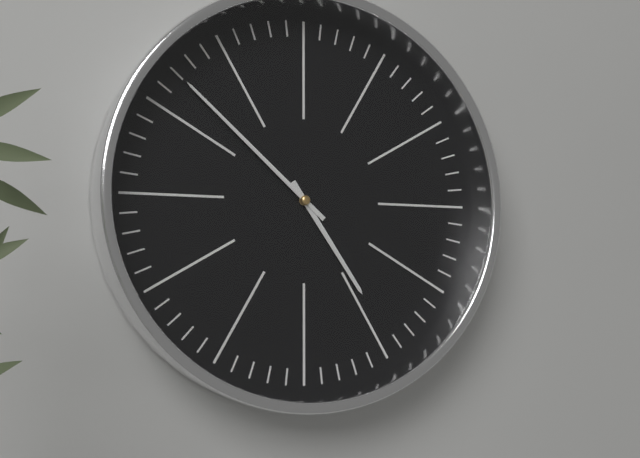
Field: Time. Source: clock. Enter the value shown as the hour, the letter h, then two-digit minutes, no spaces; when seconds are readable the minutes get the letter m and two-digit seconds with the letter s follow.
4h52
